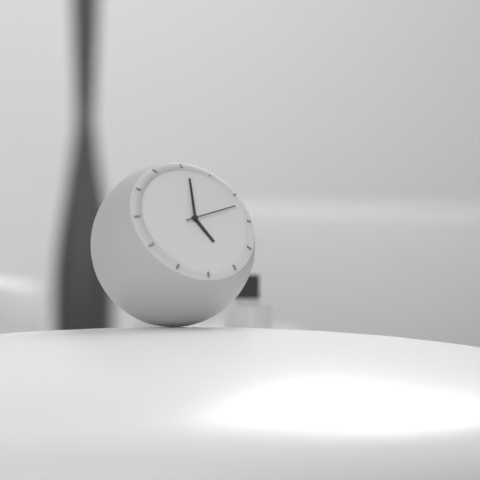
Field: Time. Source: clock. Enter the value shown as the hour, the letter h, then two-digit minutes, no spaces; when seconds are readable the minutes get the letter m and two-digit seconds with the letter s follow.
5h01m12s
